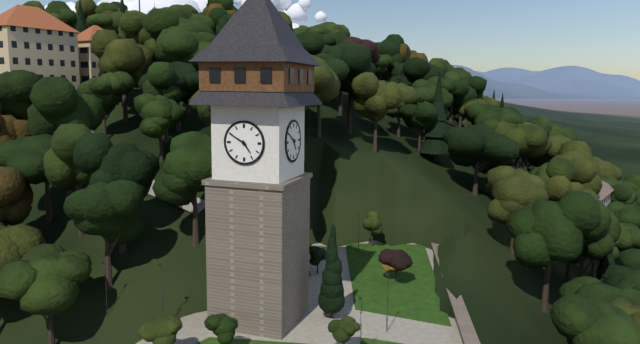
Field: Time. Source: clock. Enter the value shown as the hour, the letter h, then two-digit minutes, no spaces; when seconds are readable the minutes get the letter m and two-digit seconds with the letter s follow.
4h50
